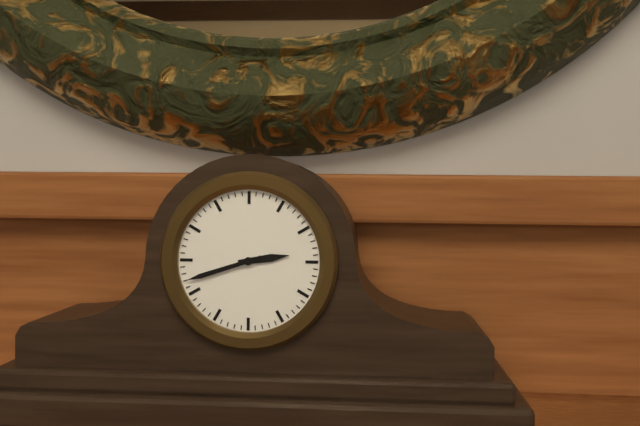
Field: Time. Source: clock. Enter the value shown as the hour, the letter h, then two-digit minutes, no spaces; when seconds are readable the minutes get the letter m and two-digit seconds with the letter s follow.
2h42
